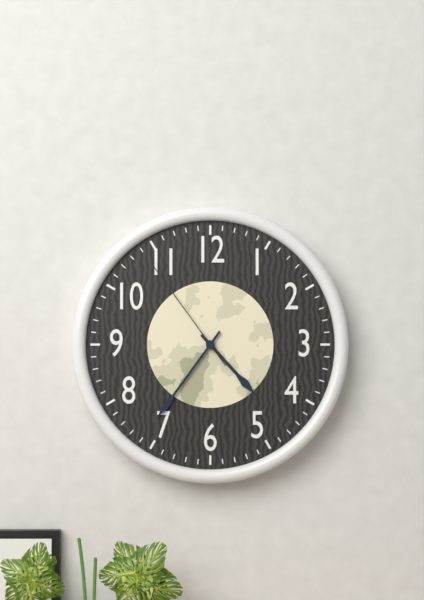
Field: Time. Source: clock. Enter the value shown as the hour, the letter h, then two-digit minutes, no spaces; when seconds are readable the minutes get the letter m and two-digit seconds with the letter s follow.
4h36m54s
